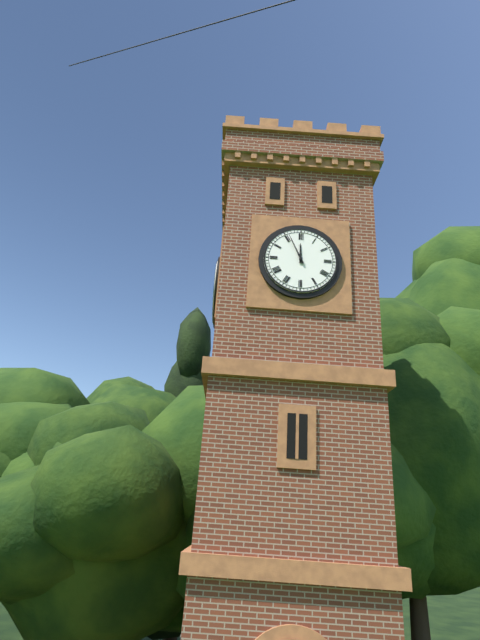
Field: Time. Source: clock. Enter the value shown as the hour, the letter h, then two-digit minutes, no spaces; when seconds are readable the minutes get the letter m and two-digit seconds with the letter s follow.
11h56
